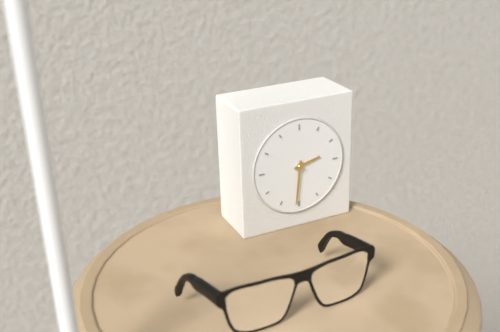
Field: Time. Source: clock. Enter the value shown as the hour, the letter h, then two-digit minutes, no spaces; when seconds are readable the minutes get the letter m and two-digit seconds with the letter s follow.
2h31
